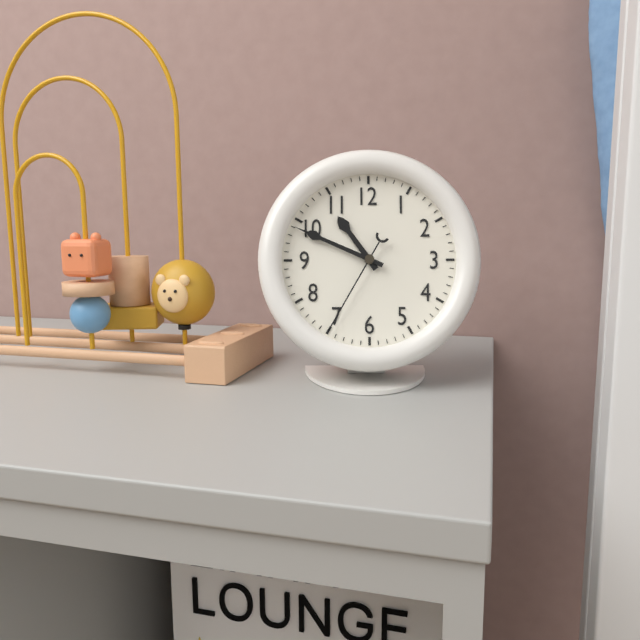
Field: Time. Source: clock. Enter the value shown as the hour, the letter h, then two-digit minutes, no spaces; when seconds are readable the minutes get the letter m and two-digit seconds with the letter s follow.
10h49m35s
